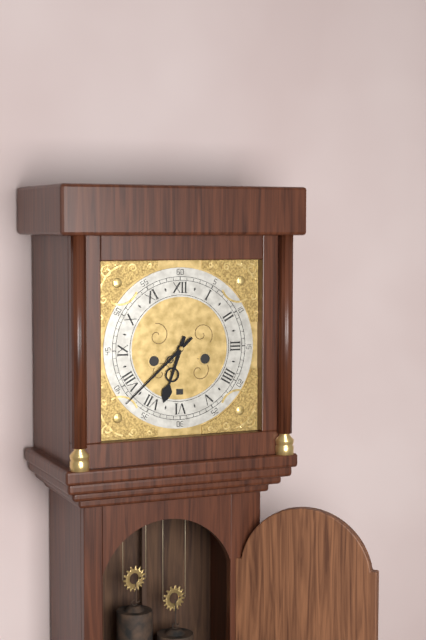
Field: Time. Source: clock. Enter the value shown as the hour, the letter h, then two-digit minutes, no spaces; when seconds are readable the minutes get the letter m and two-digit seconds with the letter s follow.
6h38
